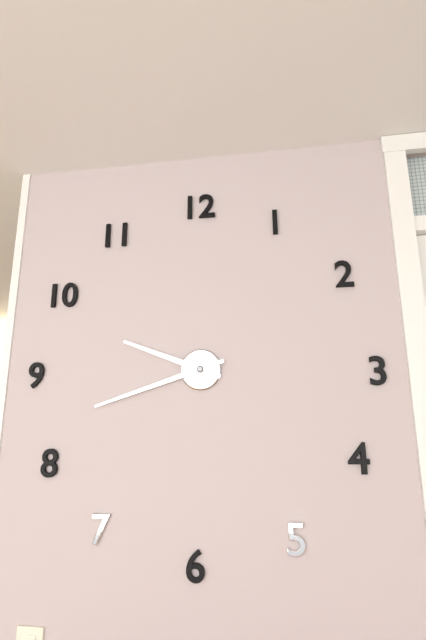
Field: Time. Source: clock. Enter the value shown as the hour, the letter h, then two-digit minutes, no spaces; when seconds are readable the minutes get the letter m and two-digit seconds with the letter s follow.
9h42
